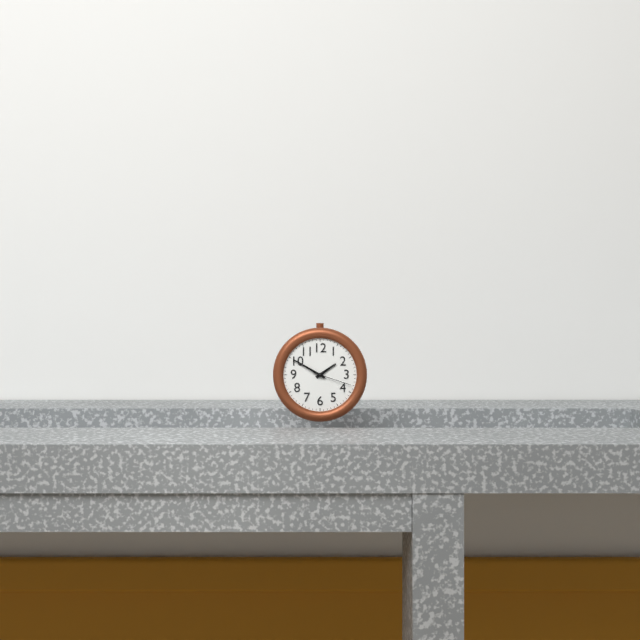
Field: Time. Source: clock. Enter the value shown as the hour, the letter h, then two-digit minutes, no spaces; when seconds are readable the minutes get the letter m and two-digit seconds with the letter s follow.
1h50
